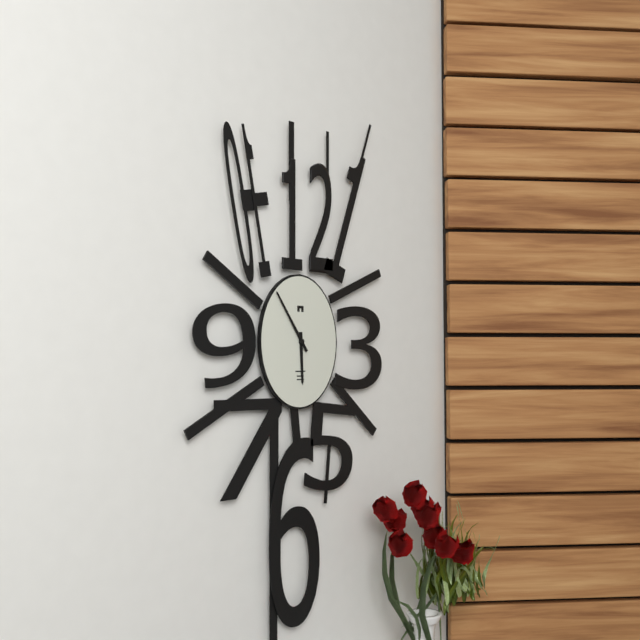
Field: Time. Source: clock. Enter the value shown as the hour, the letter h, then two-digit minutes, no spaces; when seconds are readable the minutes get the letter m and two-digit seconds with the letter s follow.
5h54
